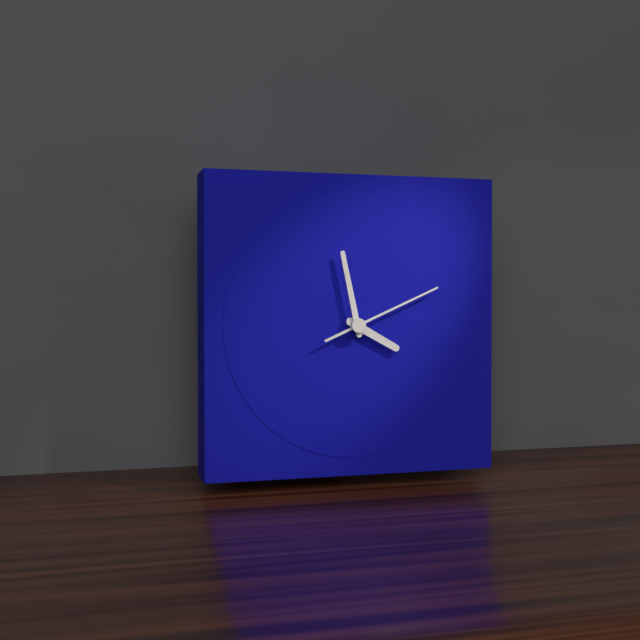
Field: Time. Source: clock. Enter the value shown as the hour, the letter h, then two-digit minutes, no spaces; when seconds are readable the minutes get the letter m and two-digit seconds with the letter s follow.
3h58m11s
